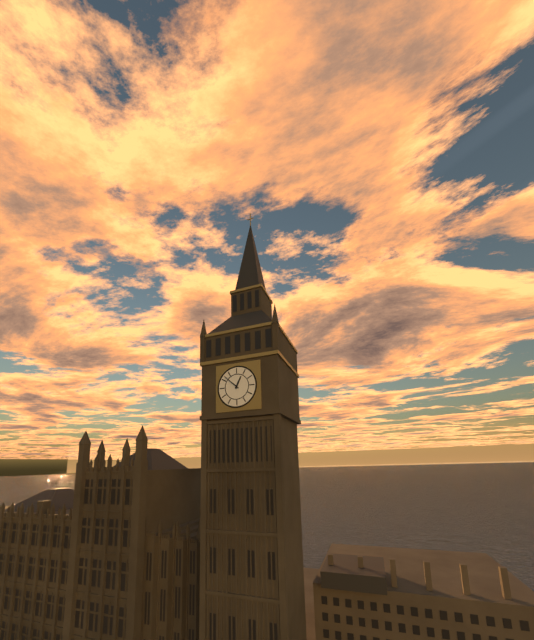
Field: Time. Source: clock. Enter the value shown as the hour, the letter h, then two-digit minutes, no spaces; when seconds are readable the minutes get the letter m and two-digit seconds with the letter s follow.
12h52
